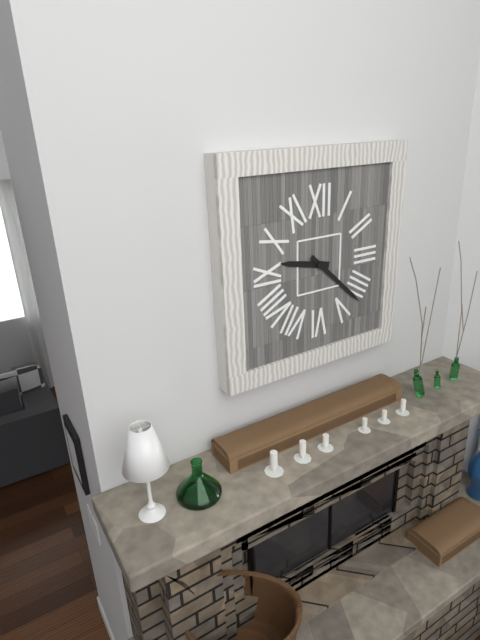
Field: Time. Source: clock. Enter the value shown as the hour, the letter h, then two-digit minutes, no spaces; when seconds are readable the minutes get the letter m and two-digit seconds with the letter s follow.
9h22
